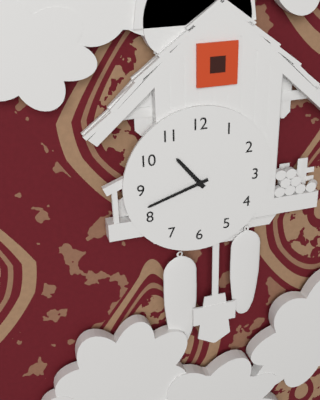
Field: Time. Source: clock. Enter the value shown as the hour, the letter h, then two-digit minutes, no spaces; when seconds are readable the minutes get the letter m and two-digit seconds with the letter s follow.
10h42
